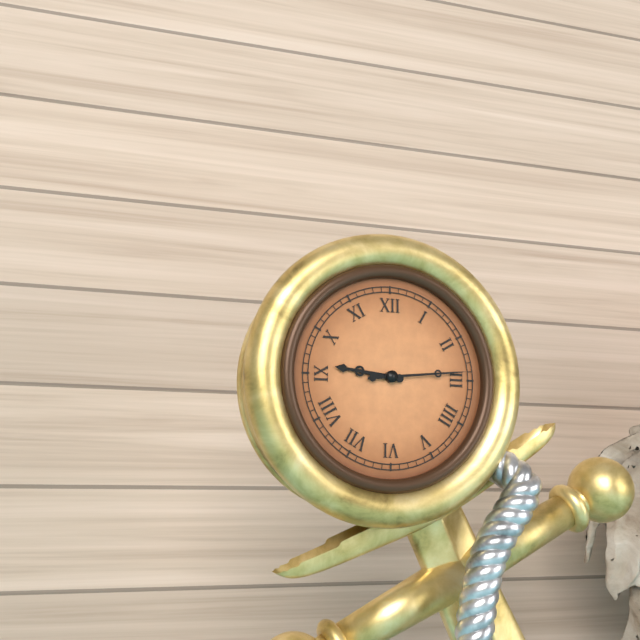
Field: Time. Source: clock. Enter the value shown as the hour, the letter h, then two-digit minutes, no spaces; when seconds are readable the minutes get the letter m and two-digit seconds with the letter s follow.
9h14
